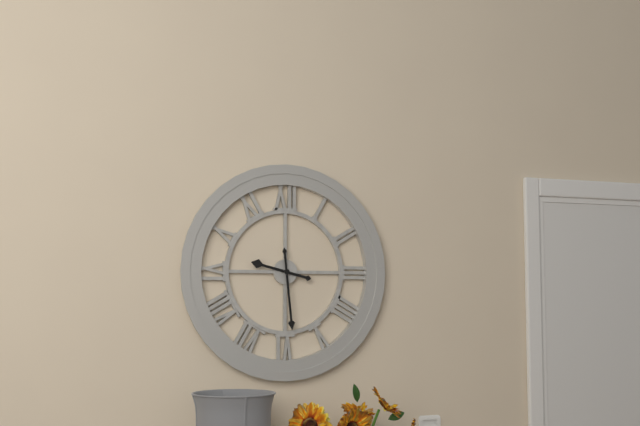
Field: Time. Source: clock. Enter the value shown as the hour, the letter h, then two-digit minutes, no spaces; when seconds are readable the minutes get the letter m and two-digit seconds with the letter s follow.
9h29
